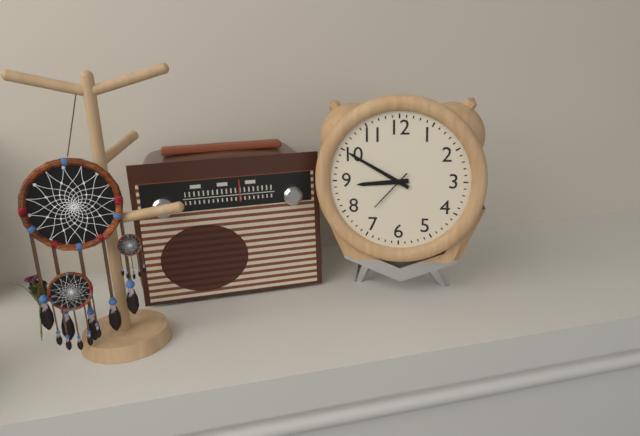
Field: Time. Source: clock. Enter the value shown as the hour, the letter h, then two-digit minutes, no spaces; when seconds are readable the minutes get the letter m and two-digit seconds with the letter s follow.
8h50
